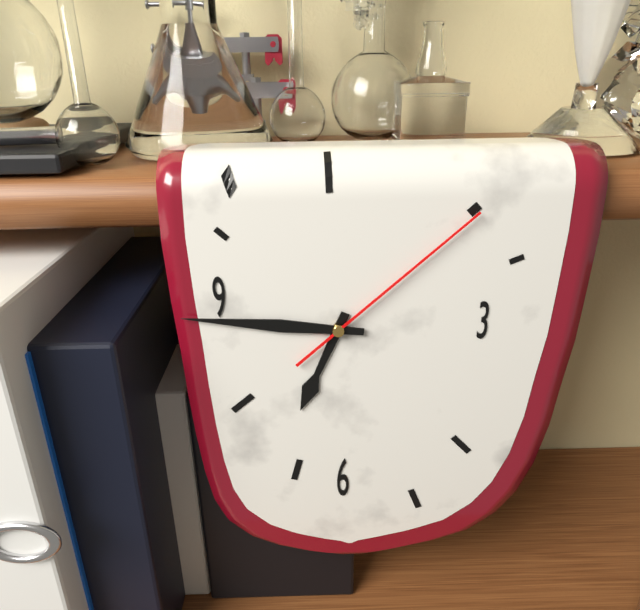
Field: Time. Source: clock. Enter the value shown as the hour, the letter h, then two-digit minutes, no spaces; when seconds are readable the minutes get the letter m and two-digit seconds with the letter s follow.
6h46m08s
